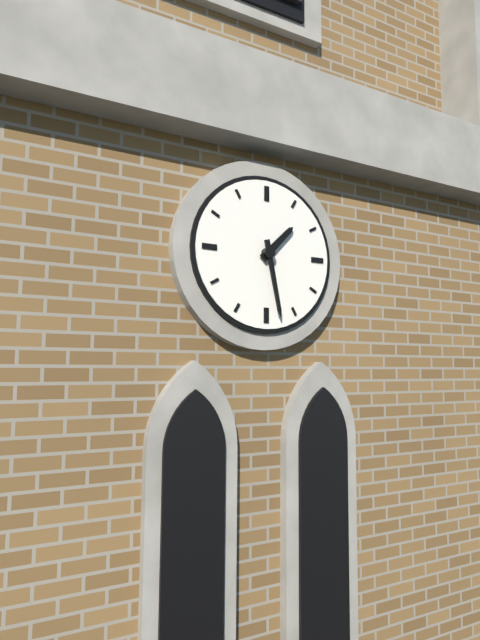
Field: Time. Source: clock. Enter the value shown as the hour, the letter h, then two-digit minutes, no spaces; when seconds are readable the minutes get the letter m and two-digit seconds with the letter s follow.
1h28
